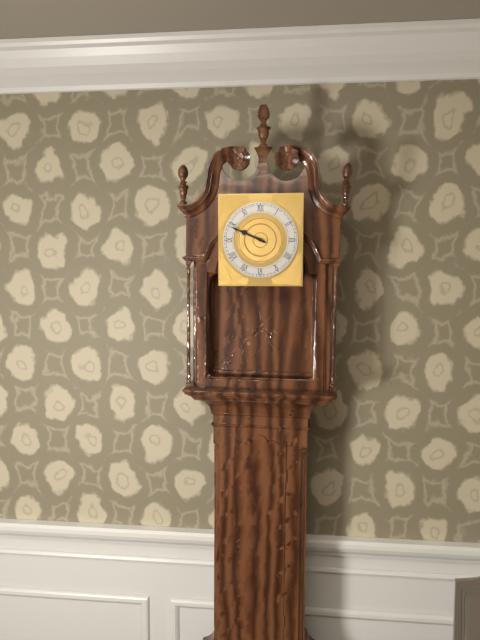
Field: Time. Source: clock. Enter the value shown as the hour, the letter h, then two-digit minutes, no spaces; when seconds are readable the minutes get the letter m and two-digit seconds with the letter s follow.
9h49
